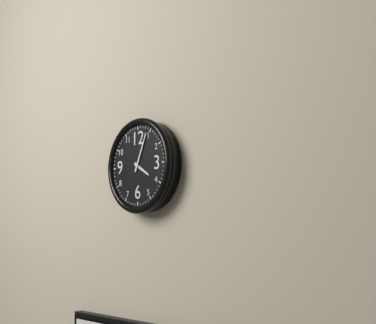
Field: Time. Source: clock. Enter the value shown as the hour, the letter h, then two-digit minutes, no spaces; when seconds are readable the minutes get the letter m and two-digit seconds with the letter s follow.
4h04
